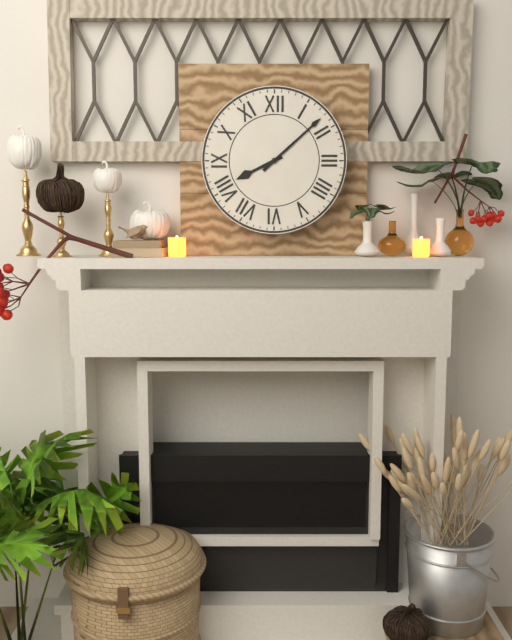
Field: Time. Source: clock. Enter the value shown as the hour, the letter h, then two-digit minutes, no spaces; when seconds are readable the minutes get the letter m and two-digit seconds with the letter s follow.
8h08
